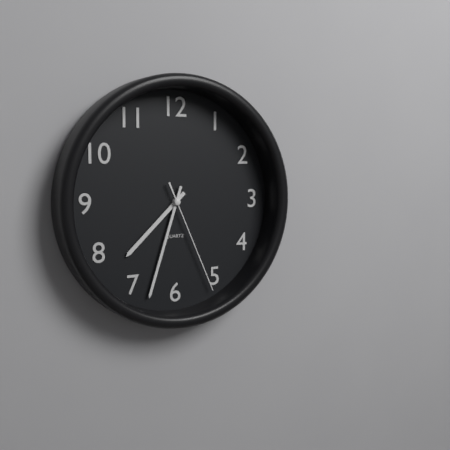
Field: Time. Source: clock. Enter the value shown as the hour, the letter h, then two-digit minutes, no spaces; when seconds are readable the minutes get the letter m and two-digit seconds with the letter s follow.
7h33m26s
